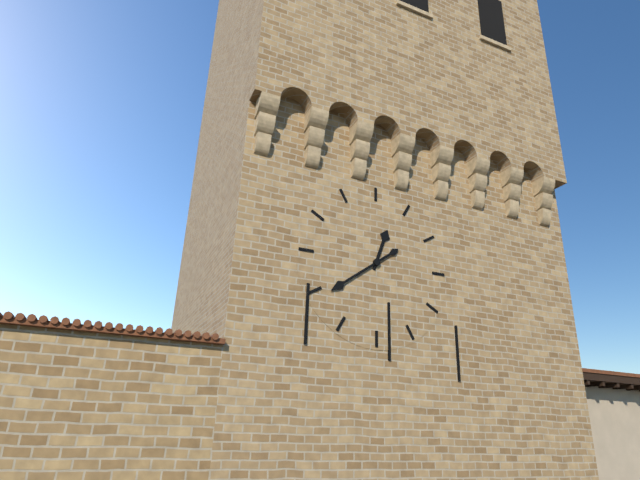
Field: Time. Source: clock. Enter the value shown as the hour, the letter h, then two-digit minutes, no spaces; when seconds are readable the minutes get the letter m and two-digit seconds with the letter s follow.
12h39
